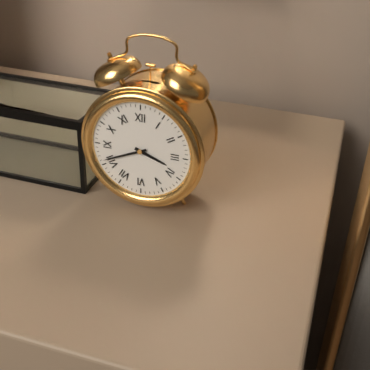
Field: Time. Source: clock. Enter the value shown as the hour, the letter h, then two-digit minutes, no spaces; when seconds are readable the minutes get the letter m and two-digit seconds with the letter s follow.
3h41
